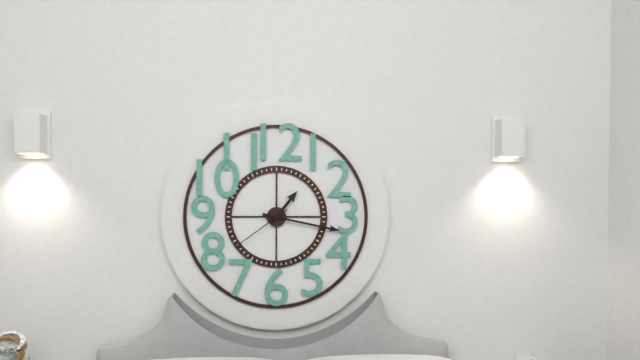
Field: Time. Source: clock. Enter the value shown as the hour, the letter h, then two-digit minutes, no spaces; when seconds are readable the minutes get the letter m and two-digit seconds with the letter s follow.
1h17m39s
